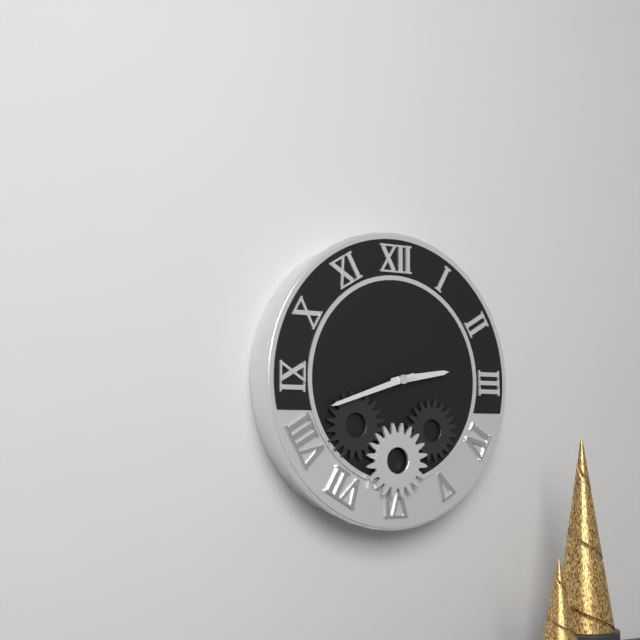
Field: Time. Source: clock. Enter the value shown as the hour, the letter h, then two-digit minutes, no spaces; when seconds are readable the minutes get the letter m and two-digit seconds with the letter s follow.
2h42
